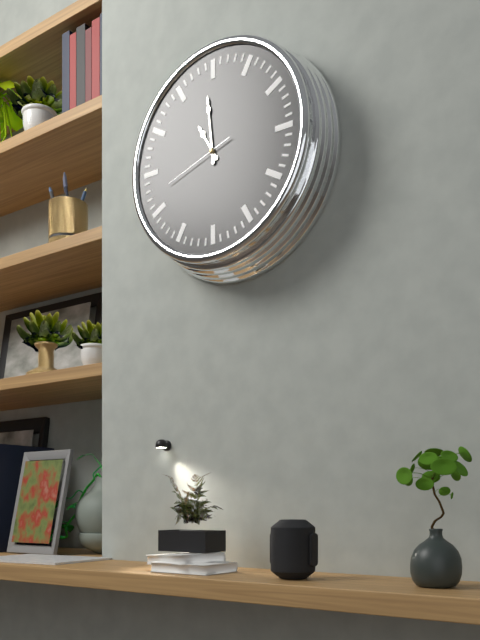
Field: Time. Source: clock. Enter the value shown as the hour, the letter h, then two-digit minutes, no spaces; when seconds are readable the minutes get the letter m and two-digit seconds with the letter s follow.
10h59m42s
